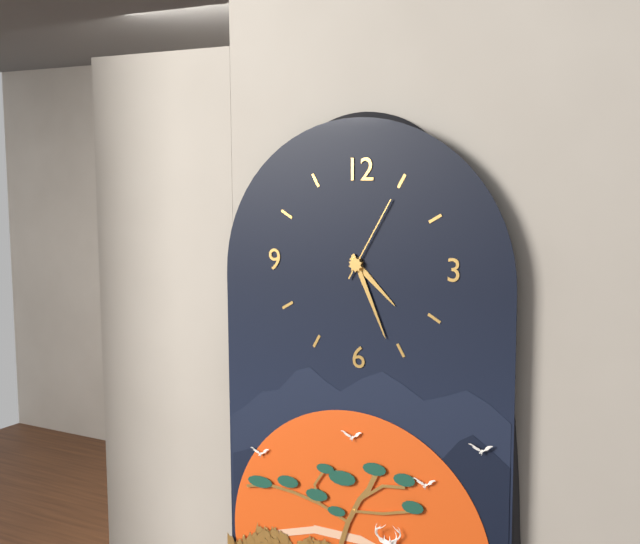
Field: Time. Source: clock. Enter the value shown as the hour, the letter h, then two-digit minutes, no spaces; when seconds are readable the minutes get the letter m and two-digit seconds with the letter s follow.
4h26m05s
